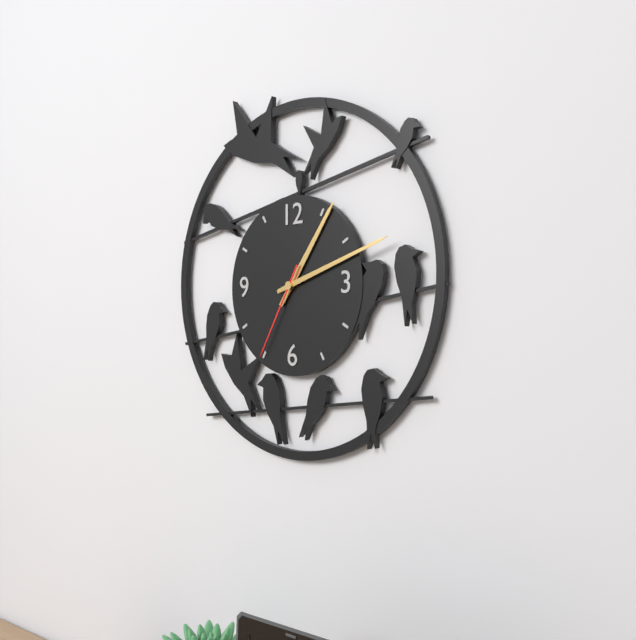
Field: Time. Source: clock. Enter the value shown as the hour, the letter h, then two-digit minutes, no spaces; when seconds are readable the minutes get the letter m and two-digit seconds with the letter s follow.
1h12m35s
